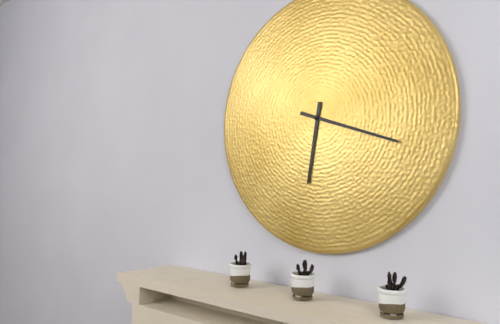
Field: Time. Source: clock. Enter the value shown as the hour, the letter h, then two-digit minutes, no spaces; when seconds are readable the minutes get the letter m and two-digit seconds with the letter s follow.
6h18
